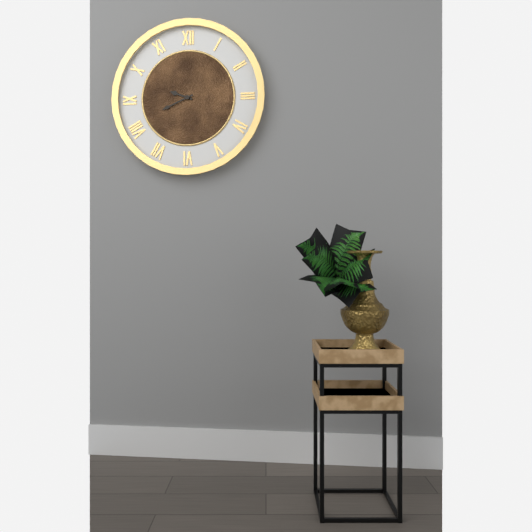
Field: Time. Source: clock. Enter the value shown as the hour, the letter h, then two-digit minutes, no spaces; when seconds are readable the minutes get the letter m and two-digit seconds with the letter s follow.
9h41
